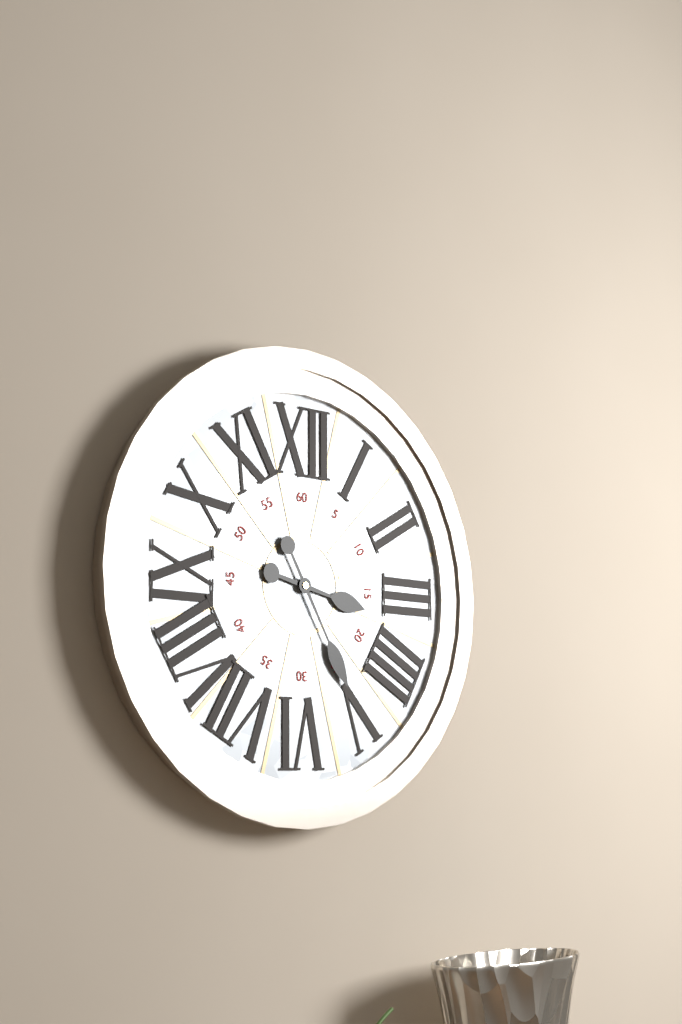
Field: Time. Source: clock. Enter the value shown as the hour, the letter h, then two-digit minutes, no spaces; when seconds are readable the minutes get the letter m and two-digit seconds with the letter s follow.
3h25
